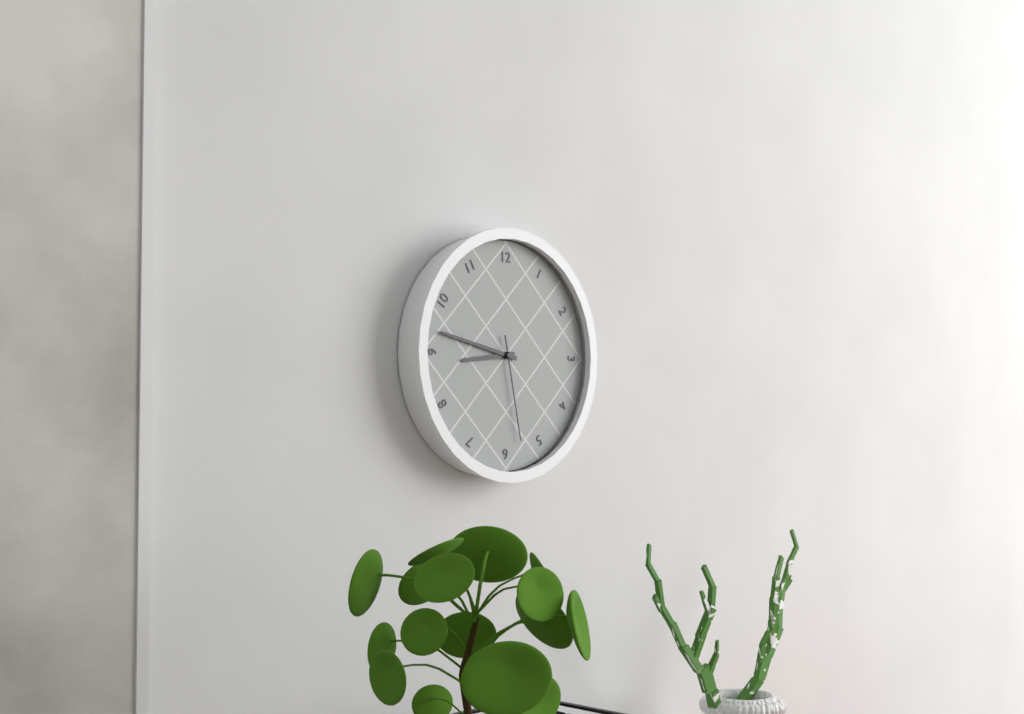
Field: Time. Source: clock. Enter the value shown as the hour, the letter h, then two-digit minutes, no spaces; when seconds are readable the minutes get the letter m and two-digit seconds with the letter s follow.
8h47m28s
